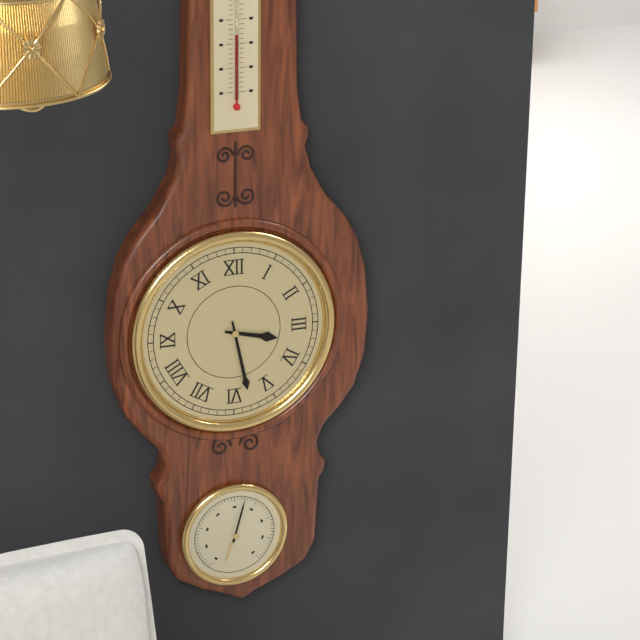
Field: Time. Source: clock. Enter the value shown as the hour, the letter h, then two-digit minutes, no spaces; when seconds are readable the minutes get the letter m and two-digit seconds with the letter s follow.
3h28
